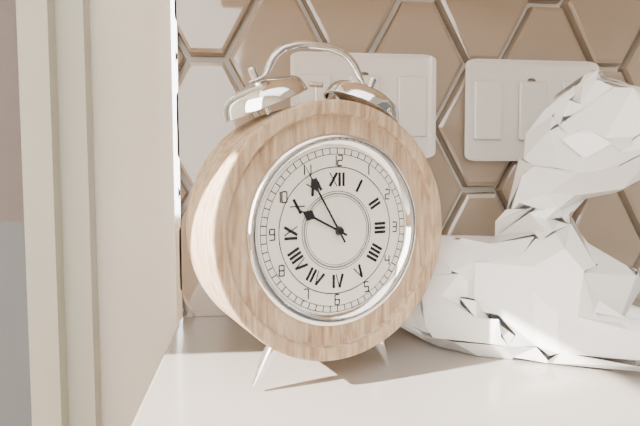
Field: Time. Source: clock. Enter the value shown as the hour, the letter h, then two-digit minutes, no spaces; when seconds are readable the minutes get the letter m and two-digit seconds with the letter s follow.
9h55
